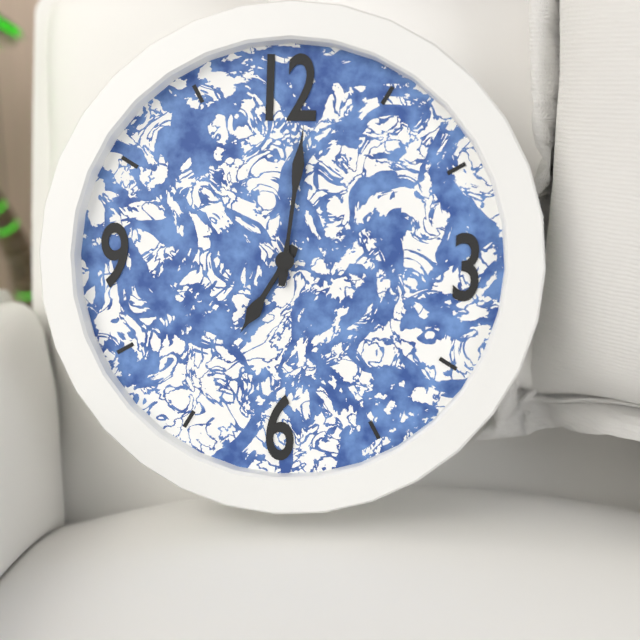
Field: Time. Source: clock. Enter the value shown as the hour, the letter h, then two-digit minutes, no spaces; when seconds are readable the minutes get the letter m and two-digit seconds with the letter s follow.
7h01
